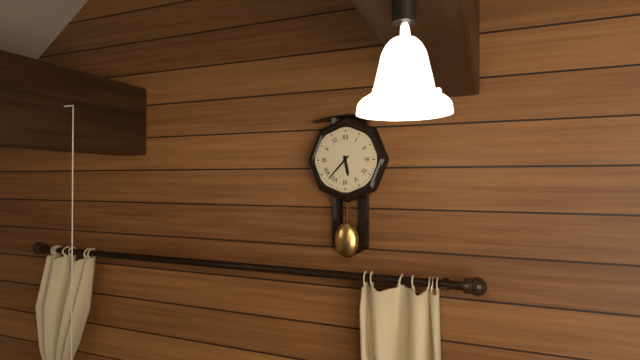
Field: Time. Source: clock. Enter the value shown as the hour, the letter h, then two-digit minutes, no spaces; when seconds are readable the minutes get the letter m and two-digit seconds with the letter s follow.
5h37
